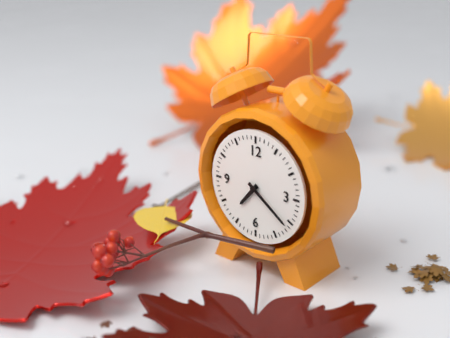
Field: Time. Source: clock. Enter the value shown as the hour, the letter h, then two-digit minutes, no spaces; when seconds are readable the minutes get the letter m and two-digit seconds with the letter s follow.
7h21
